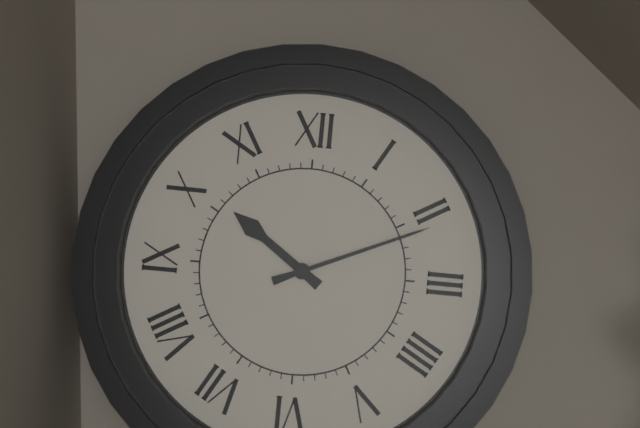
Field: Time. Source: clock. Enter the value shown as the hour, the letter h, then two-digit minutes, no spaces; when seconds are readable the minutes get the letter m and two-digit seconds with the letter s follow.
10h11
